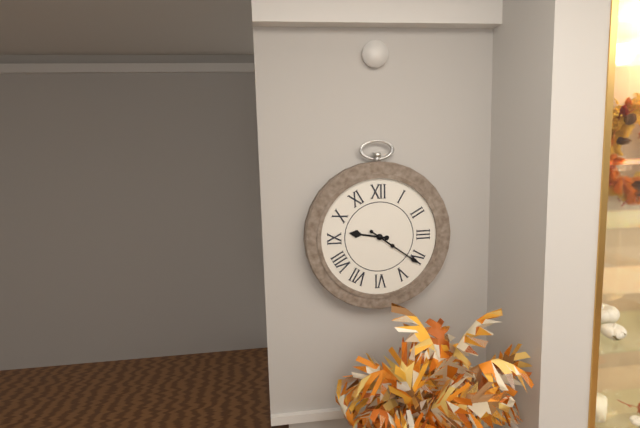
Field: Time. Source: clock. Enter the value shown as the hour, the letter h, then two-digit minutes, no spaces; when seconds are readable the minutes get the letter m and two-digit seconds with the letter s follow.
9h21
